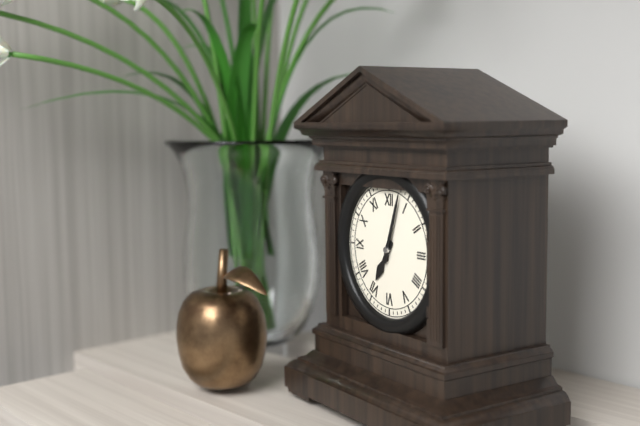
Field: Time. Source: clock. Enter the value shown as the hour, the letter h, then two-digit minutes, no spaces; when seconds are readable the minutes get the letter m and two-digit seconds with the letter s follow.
7h03
